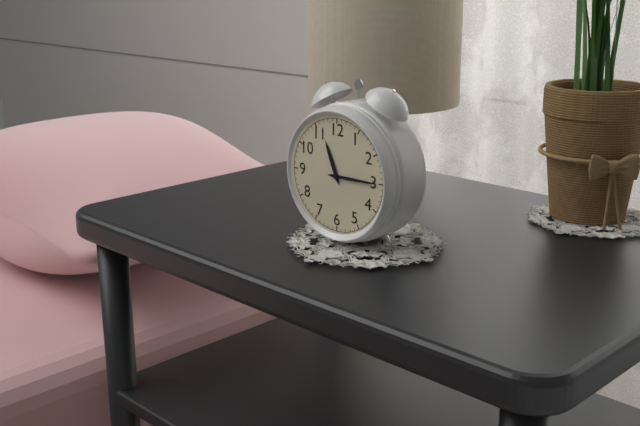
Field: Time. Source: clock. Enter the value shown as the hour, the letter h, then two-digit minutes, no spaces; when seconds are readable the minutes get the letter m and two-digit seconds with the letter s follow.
11h15
